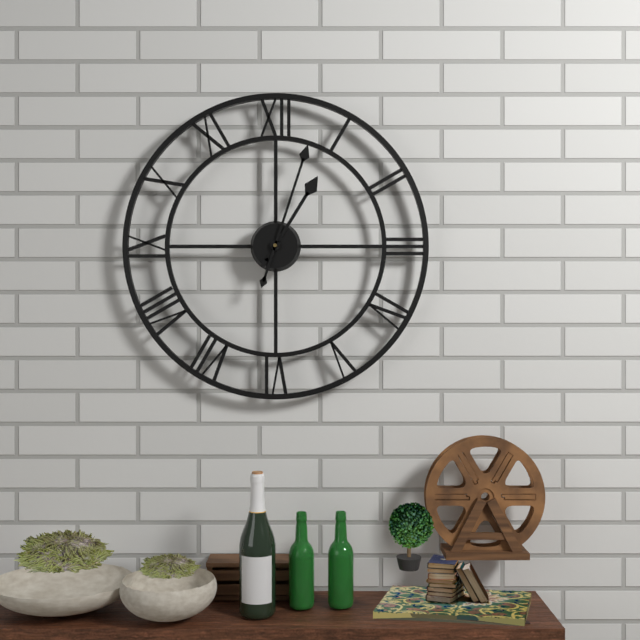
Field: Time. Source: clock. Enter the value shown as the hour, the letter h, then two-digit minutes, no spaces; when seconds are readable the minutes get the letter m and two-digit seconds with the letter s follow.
1h03
